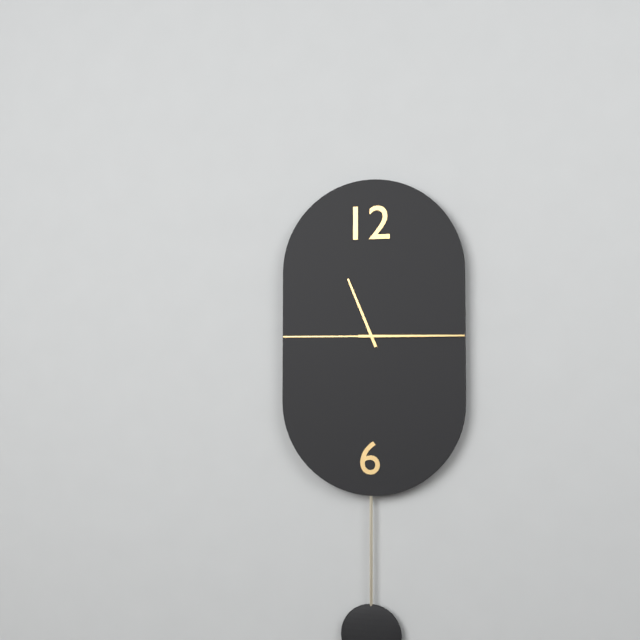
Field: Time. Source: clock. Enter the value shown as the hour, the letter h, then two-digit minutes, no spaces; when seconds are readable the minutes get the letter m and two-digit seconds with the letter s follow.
11h15
